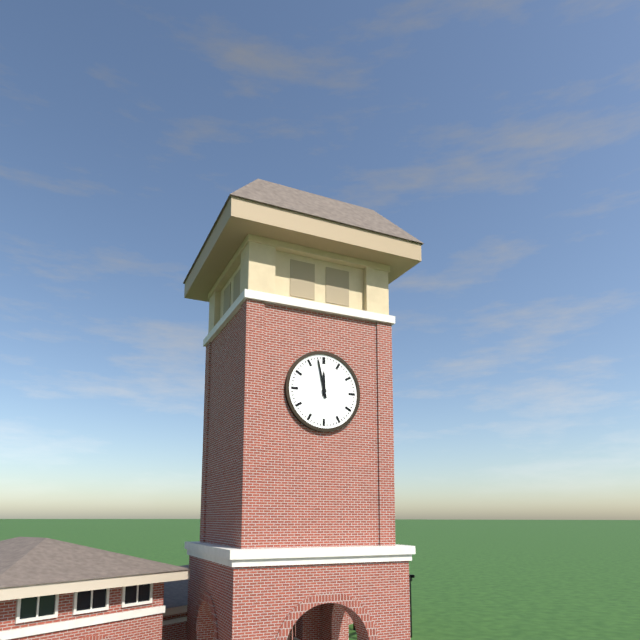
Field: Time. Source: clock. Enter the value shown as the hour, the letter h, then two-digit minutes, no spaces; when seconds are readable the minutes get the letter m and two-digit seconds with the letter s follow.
11h58
